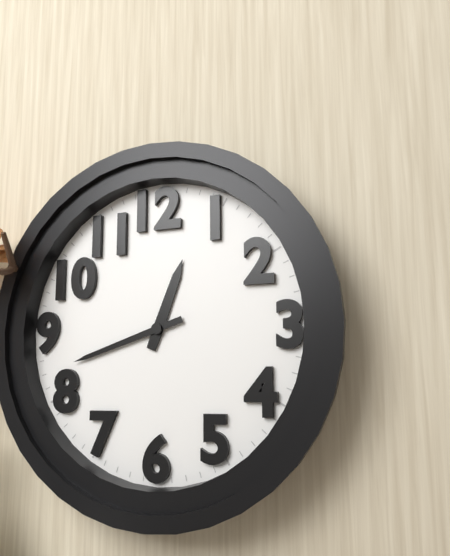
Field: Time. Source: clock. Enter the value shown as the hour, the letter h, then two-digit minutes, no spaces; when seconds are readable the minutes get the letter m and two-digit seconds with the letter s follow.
12h42
